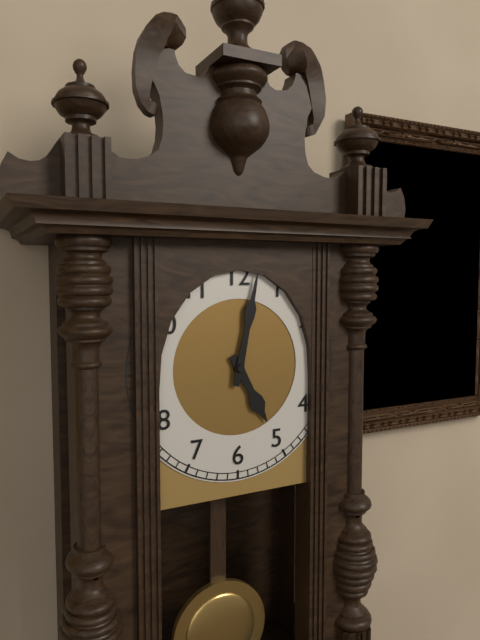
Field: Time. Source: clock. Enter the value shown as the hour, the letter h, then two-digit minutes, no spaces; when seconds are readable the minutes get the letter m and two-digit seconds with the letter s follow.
5h02
